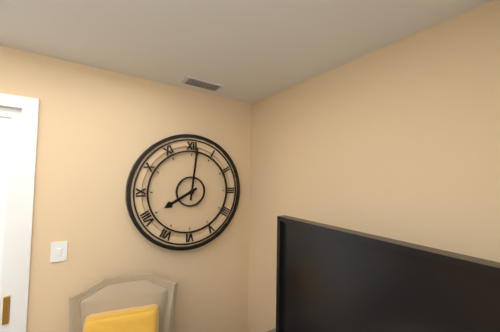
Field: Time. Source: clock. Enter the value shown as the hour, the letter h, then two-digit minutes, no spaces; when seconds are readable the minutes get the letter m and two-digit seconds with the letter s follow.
8h01
